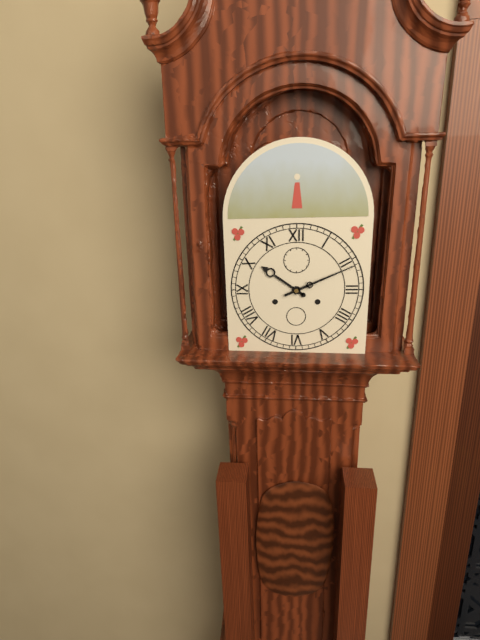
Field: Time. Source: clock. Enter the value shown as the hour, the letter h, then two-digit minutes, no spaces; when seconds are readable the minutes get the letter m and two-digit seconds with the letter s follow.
10h11
